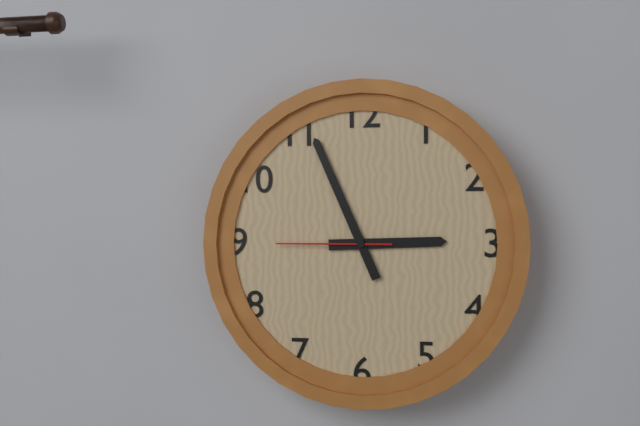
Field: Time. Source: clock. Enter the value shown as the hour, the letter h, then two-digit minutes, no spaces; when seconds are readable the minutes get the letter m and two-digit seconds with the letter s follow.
2h56m45s
